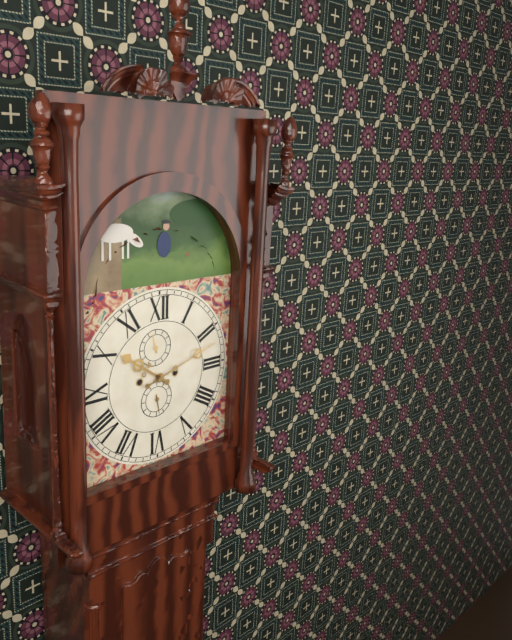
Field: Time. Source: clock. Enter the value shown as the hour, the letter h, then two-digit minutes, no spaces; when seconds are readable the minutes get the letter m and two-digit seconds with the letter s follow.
10h12
